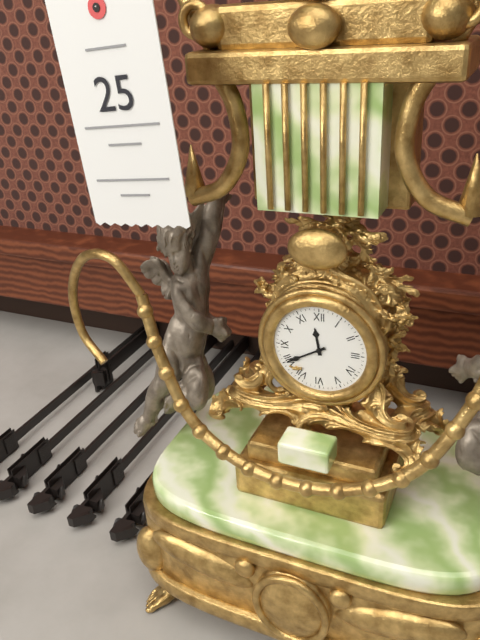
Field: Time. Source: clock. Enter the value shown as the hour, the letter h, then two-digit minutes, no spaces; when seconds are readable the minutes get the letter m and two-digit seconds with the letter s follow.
11h40
